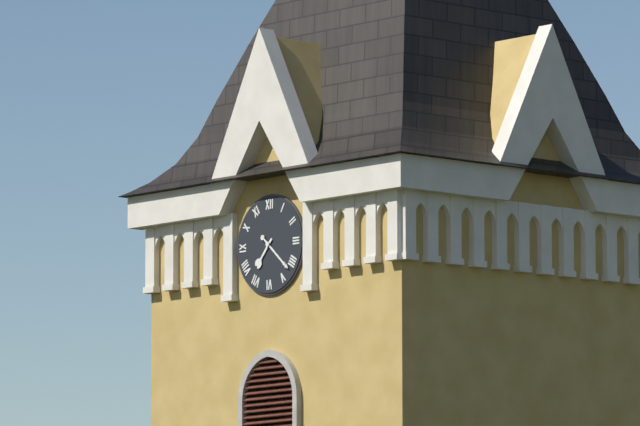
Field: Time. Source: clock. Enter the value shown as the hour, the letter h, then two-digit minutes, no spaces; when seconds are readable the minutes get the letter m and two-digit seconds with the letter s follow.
7h22
